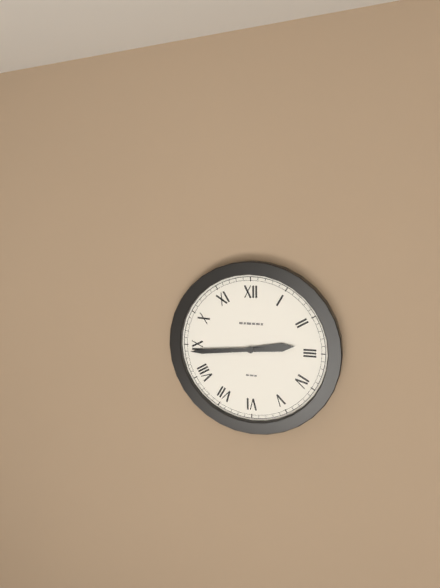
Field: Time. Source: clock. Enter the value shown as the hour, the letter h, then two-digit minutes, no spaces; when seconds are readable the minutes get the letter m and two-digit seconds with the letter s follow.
2h44
